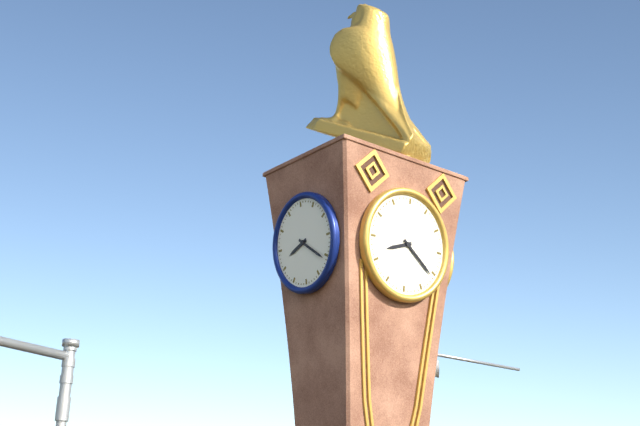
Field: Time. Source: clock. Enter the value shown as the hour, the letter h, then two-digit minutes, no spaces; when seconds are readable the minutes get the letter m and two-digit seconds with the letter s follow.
8h21
